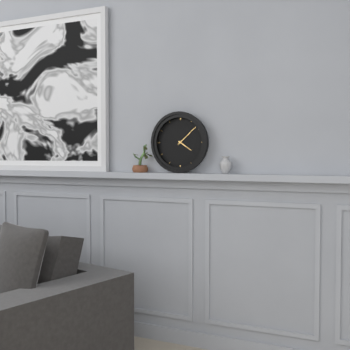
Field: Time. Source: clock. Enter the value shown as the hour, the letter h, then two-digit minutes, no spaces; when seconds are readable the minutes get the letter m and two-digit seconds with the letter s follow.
4h08
